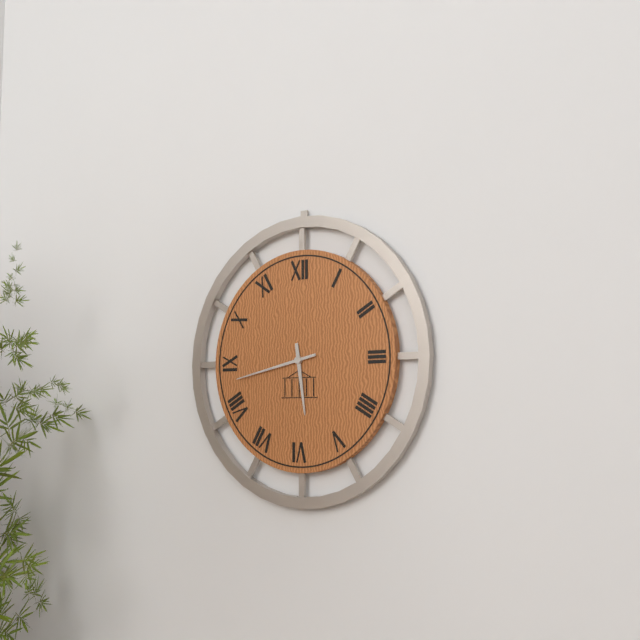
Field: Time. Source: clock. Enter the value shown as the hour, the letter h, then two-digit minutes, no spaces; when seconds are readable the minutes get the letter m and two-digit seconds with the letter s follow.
5h43
